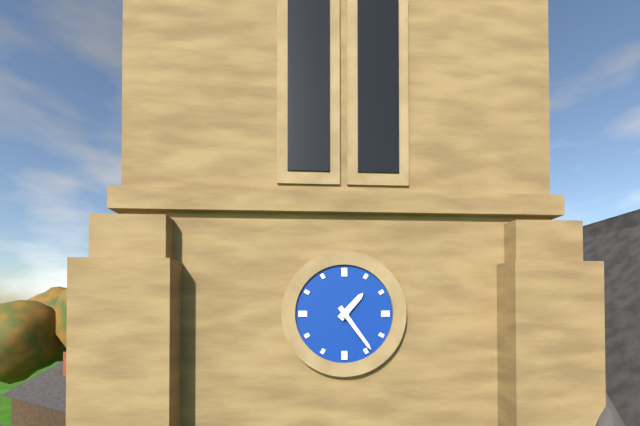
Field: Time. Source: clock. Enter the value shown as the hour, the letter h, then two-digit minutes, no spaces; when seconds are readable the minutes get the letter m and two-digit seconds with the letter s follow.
1h24
